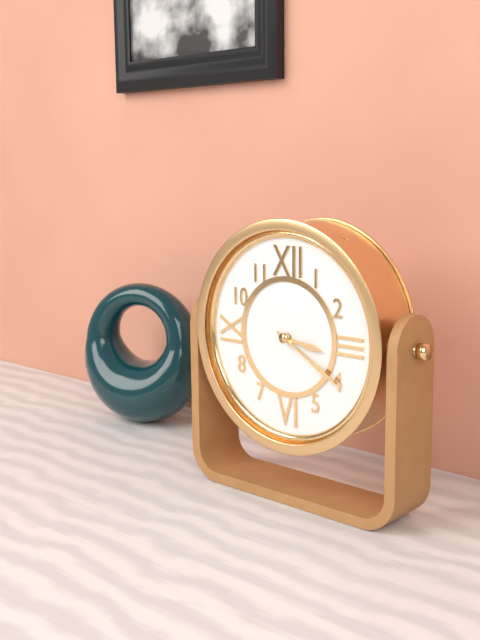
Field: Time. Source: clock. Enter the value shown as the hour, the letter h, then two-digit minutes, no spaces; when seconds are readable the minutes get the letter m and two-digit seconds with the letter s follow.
3h20
